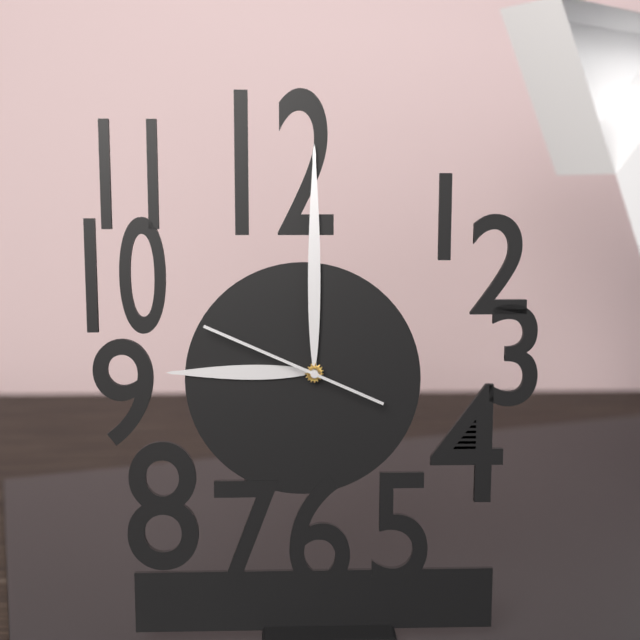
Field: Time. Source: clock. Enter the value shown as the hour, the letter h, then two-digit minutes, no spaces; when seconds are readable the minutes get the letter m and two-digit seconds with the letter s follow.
9h00m49s
